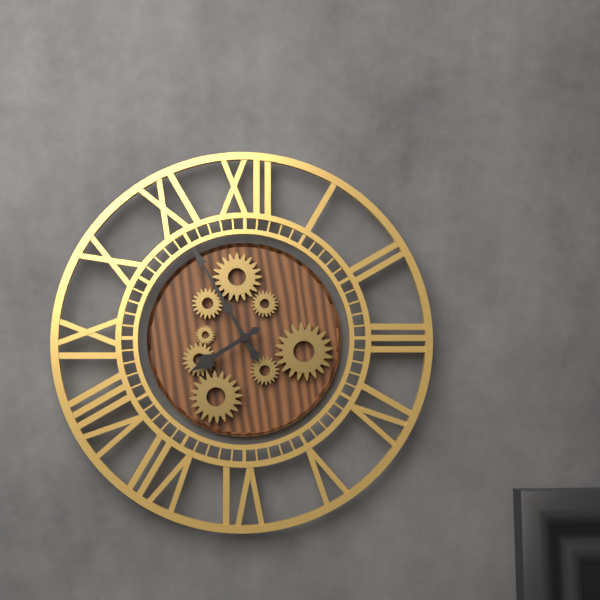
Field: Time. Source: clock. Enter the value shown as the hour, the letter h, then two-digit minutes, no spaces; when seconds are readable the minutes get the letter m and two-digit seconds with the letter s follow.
7h55
